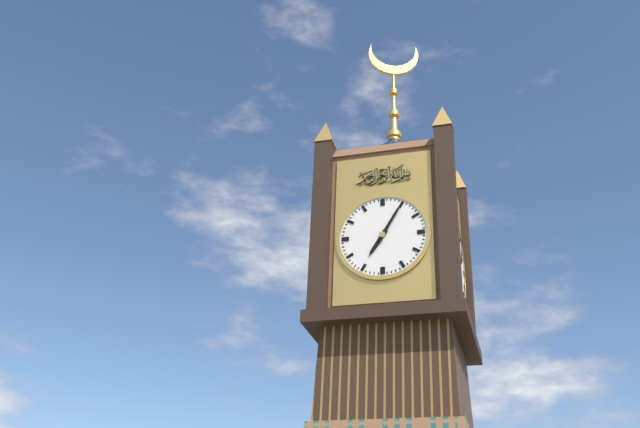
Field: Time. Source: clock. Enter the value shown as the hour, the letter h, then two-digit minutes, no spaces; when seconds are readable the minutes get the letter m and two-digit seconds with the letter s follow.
7h05
